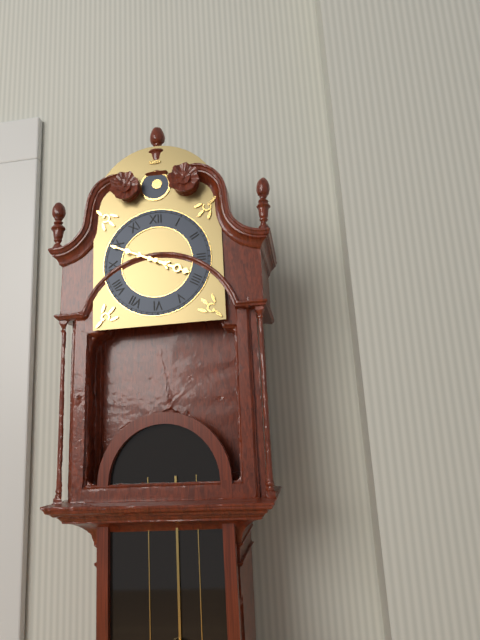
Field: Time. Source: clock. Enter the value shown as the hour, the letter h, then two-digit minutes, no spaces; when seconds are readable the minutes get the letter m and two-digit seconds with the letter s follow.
3h49
